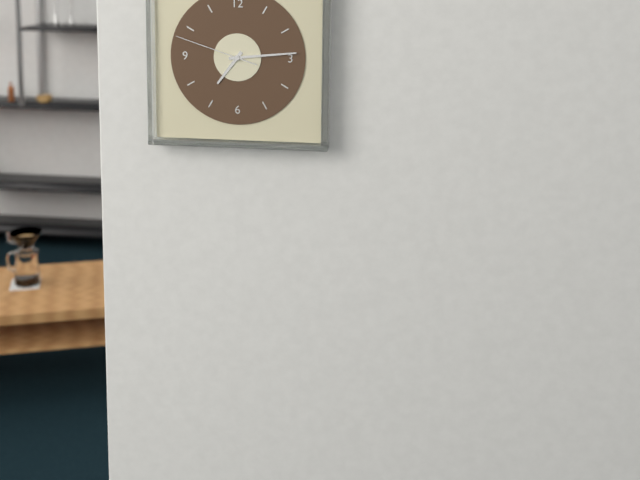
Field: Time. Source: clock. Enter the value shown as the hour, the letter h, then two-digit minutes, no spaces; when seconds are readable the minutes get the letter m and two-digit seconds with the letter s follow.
7h14m48s
